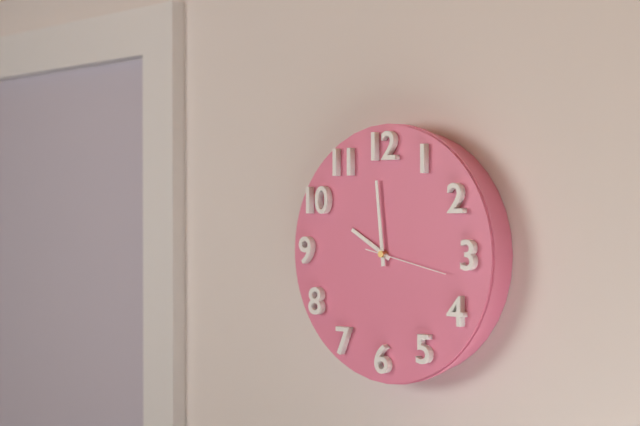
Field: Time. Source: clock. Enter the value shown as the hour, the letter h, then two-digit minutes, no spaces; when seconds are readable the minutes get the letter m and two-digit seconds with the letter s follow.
9h59m17s
